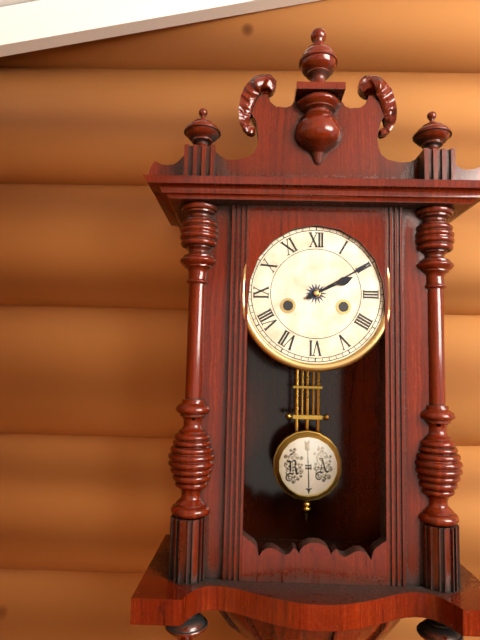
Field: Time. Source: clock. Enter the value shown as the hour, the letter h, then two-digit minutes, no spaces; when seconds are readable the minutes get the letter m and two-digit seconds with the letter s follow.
2h10
